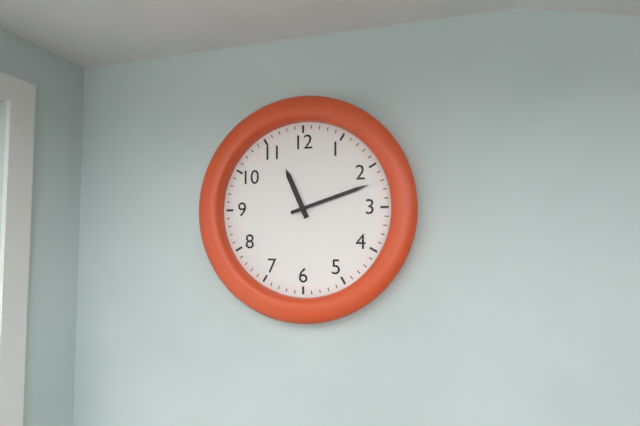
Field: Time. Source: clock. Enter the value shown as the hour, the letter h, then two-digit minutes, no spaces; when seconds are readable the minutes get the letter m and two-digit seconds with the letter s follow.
11h12
